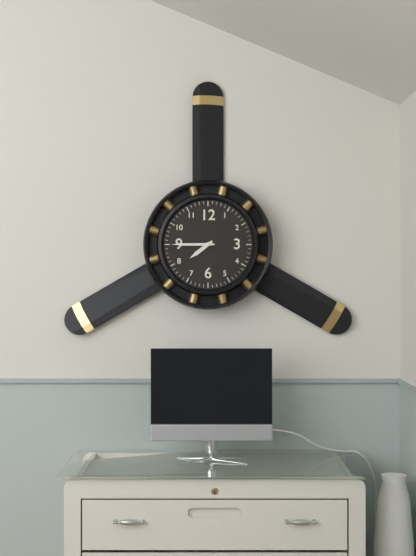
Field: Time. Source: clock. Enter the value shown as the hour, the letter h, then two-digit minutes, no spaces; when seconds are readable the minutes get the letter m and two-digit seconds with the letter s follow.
7h45
